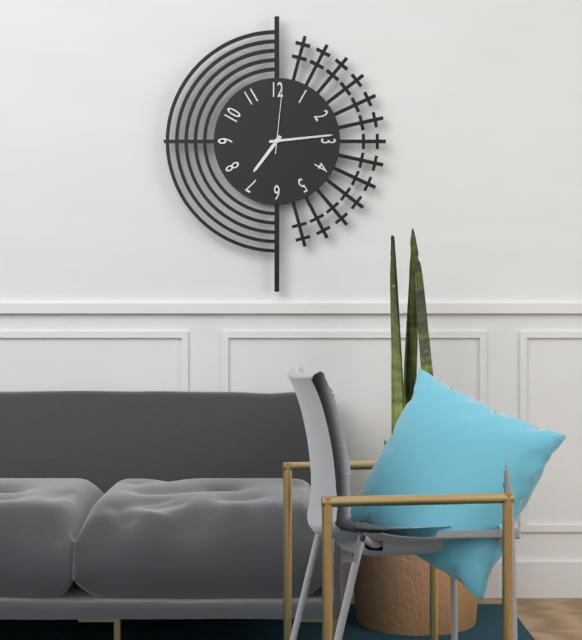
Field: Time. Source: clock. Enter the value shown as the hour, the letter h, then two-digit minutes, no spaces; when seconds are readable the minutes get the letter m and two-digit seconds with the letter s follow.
7h14m01s
